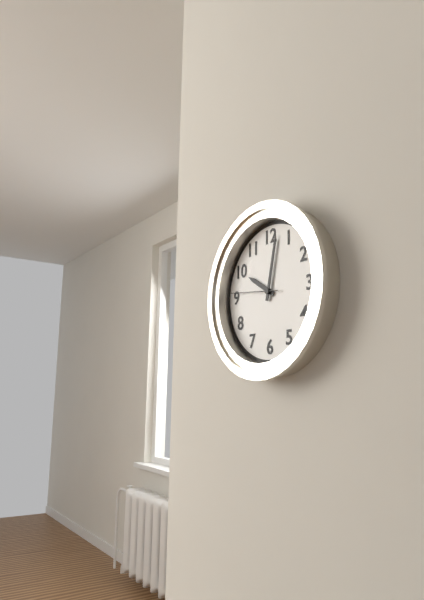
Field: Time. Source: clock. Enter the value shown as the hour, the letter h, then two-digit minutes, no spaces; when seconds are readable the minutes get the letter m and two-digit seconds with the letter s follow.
10h02
